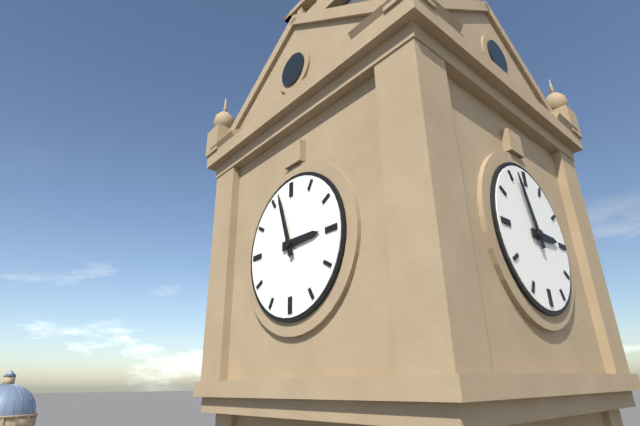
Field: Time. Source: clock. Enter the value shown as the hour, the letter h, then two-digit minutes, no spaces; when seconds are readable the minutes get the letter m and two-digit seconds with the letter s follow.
2h57
